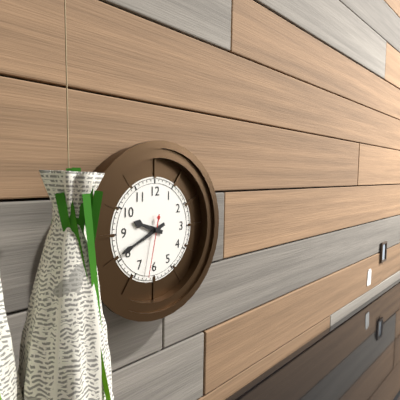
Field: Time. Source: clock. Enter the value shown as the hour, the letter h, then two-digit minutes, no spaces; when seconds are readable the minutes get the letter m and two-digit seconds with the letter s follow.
9h41m32s
